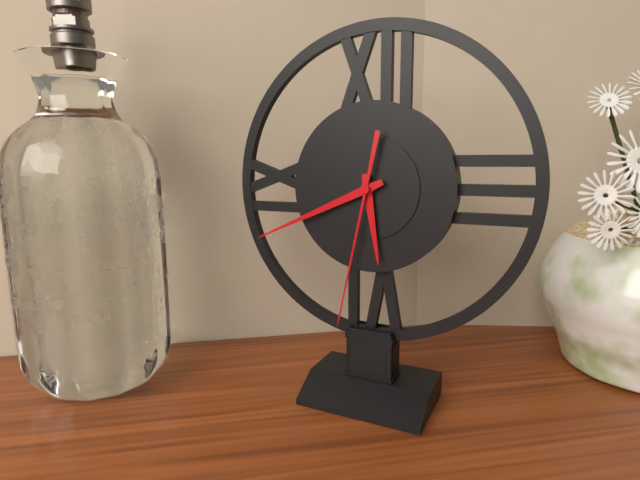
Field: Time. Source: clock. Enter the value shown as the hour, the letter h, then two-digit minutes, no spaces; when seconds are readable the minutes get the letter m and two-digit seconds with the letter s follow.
5h41m32s
